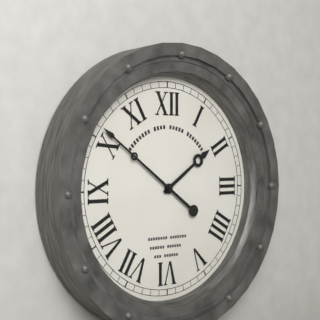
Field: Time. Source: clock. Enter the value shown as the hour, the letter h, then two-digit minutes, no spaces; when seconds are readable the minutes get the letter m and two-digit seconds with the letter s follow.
1h51
